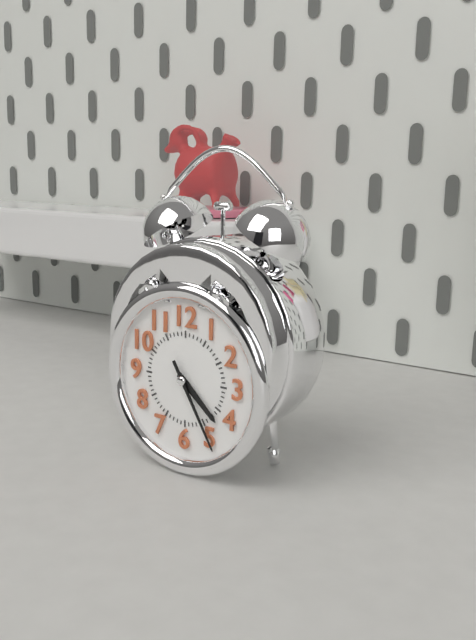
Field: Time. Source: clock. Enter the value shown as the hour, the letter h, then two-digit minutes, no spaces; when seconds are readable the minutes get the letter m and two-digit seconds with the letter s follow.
4h25
